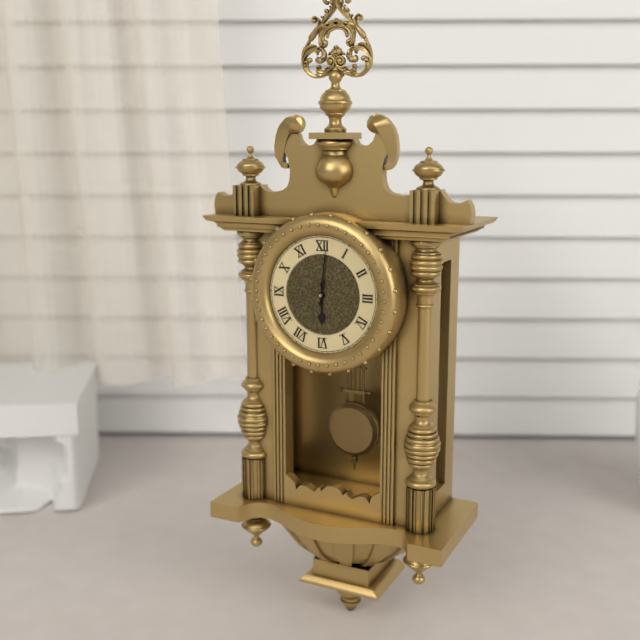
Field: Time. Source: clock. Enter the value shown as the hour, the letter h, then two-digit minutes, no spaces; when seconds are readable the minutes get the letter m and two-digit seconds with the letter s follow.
6h01
